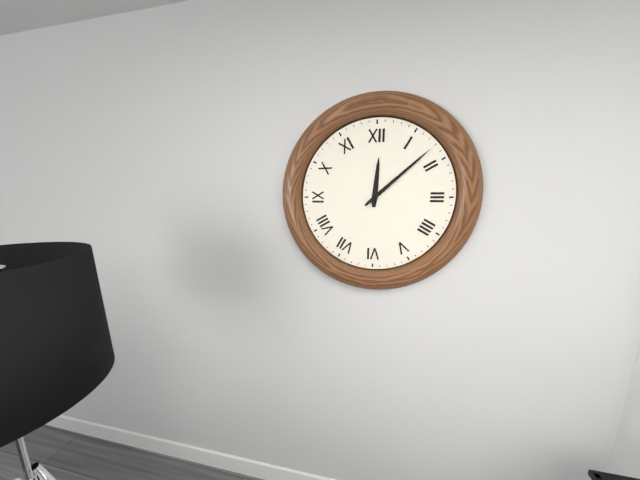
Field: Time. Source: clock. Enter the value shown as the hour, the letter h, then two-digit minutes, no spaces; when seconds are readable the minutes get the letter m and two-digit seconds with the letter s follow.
12h08
